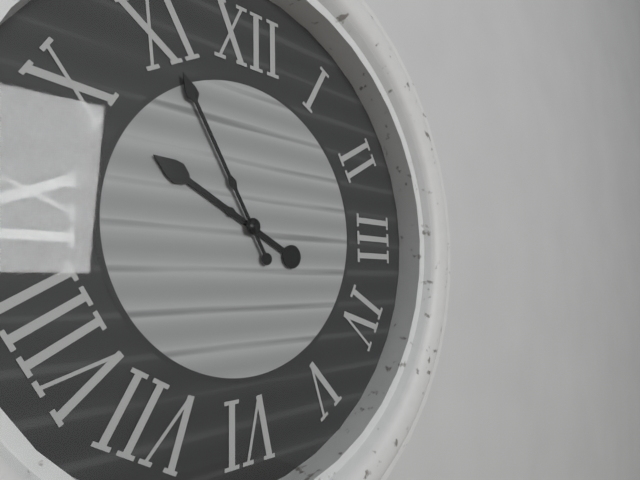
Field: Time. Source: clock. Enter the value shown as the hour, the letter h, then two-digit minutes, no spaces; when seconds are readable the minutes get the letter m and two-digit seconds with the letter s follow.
9h55
